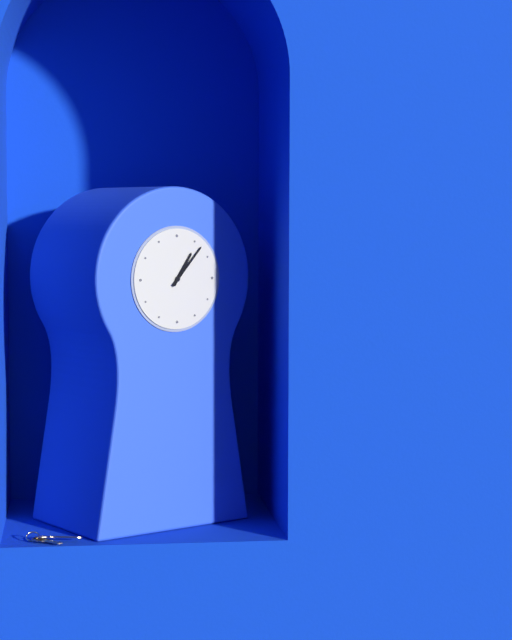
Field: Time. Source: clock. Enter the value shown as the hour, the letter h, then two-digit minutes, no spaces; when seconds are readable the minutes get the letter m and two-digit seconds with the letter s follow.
1h07
